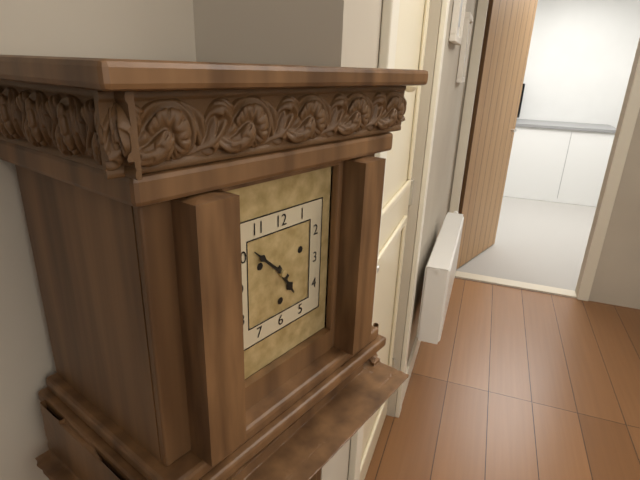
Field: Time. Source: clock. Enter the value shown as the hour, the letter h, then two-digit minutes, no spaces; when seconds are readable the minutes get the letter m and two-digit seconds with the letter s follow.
4h52
